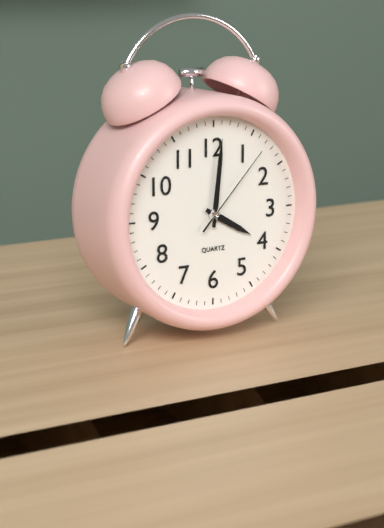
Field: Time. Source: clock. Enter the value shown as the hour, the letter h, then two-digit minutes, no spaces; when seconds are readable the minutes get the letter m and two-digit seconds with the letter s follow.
4h01m07s
